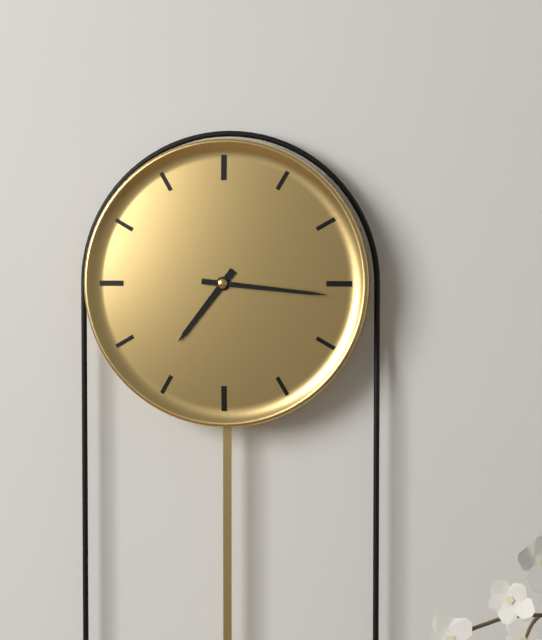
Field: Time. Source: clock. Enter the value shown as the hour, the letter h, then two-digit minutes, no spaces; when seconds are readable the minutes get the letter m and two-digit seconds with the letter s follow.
7h16
